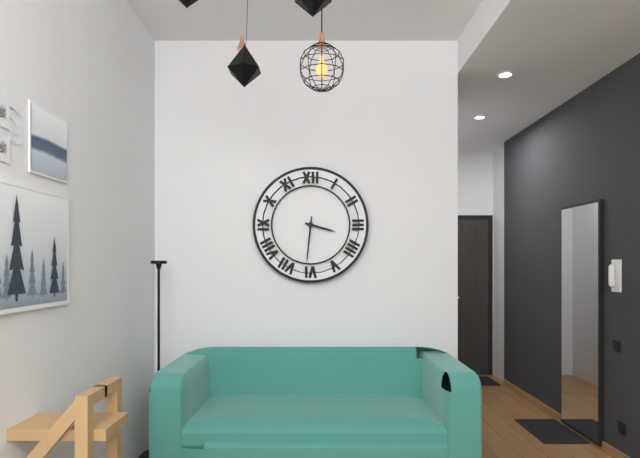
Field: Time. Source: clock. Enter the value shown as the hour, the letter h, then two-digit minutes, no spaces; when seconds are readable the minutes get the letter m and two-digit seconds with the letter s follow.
3h31
